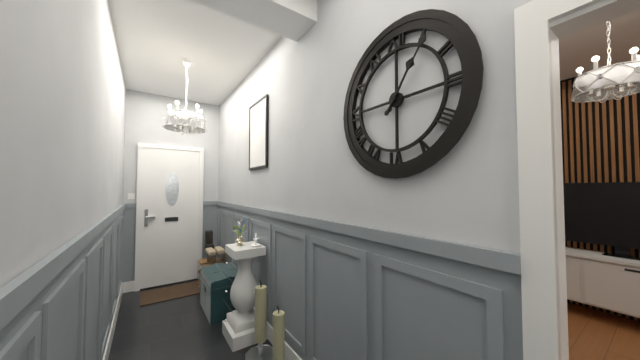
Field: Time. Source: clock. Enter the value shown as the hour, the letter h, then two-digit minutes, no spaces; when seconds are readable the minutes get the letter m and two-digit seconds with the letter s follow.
1h06
